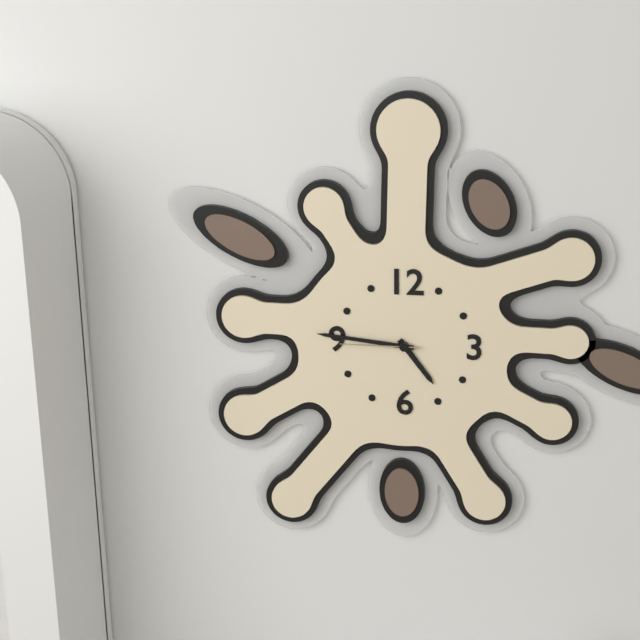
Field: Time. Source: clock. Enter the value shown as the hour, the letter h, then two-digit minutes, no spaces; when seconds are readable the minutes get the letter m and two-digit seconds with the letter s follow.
4h46m45s
